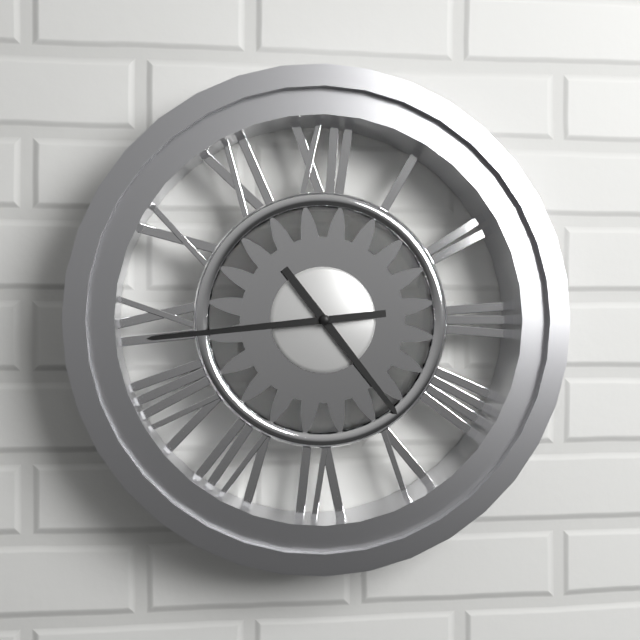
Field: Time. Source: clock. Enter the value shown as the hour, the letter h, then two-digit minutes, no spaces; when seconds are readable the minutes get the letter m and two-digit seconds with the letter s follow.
4h44
